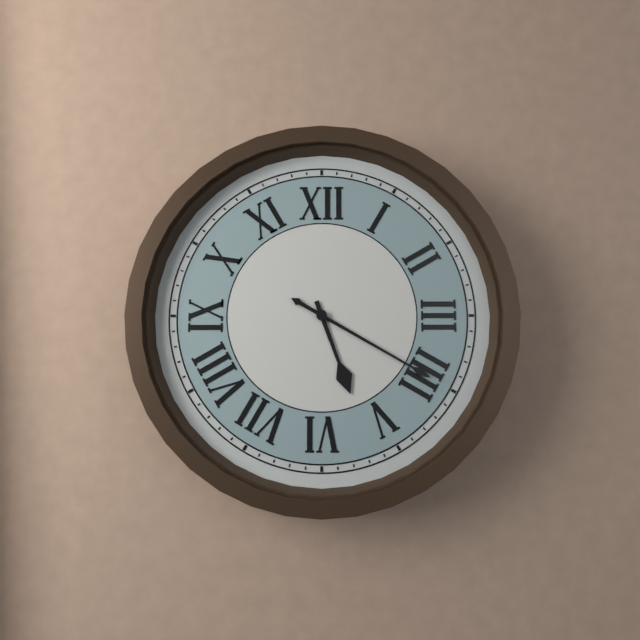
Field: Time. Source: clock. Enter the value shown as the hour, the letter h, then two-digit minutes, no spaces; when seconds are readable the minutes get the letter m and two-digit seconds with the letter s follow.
5h20
